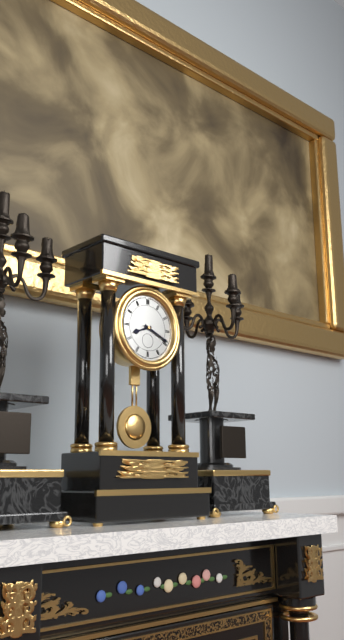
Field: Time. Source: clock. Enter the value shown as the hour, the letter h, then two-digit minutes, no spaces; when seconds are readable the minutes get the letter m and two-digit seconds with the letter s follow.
8h19
